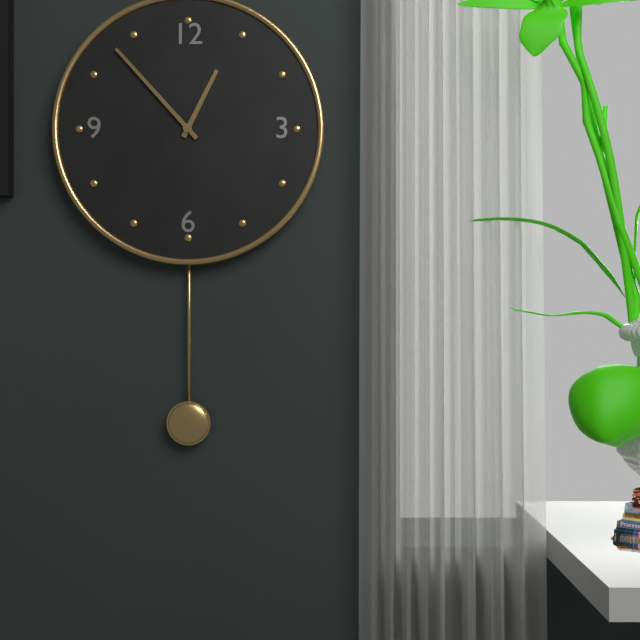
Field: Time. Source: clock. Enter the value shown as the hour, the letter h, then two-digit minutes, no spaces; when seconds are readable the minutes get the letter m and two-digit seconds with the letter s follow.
12h53
